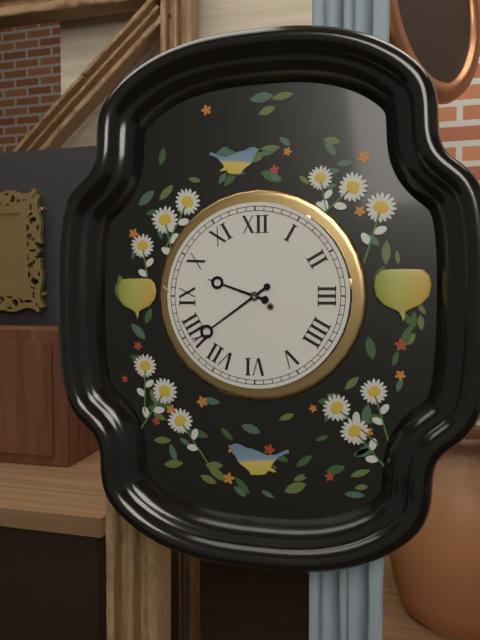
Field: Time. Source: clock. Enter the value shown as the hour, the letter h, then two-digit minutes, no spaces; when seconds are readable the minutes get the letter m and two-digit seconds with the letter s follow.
9h39
